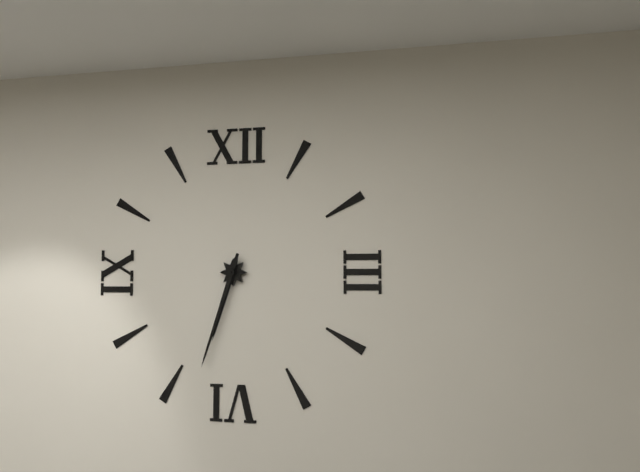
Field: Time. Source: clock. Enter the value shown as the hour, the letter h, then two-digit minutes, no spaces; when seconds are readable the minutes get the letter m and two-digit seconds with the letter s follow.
6h33
